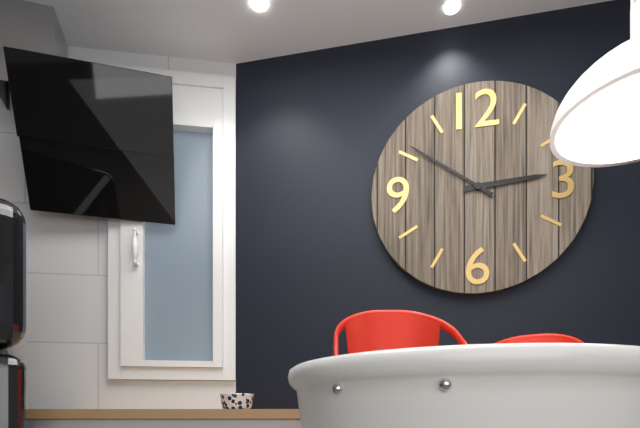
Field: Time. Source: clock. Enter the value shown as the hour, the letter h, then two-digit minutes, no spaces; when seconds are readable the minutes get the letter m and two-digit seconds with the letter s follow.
2h51
